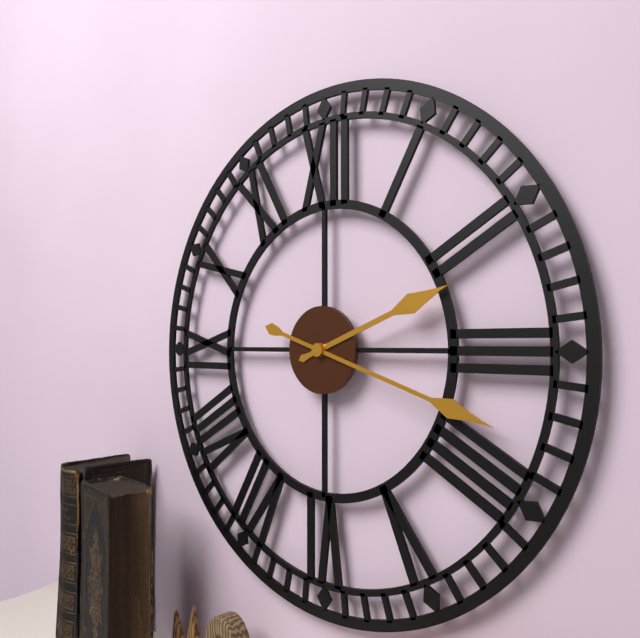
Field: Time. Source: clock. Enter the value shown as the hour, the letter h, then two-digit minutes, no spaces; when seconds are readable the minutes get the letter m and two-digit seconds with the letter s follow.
2h18
